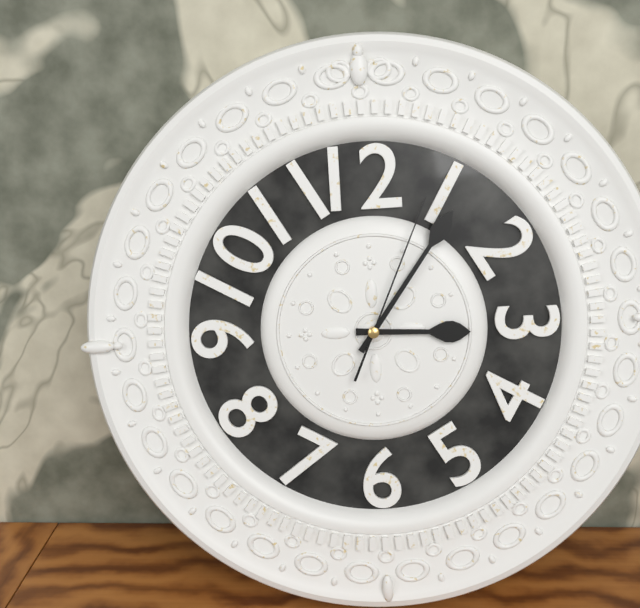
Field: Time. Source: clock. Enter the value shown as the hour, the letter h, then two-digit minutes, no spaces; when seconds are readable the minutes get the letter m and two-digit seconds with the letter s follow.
3h06m04s
